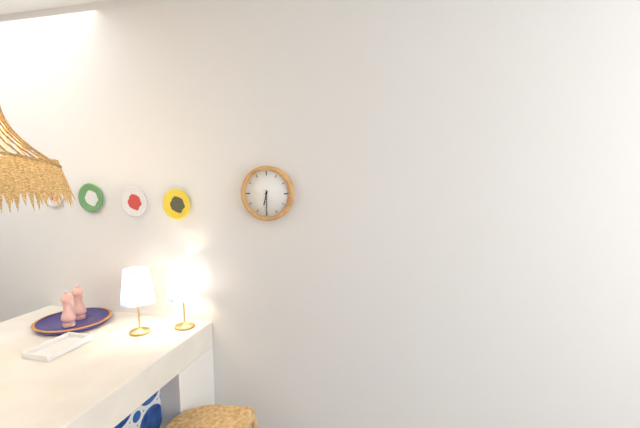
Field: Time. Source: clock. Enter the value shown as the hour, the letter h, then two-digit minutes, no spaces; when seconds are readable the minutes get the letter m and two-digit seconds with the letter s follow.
6h30
